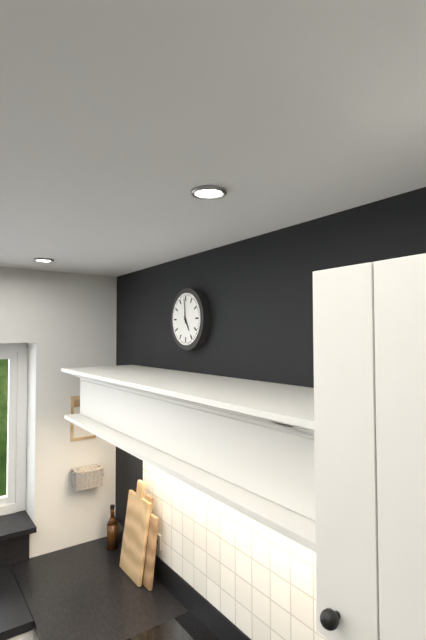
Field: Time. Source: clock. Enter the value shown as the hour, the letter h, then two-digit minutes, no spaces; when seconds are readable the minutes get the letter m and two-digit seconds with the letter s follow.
4h59
